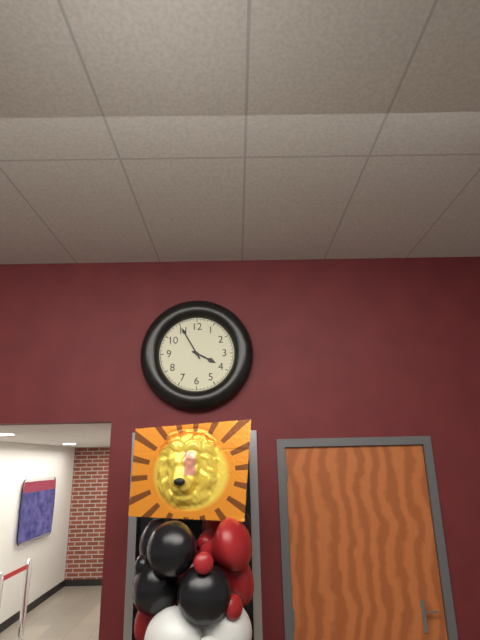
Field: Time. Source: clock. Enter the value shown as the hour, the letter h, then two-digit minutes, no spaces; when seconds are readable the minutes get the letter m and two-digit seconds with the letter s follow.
3h55
